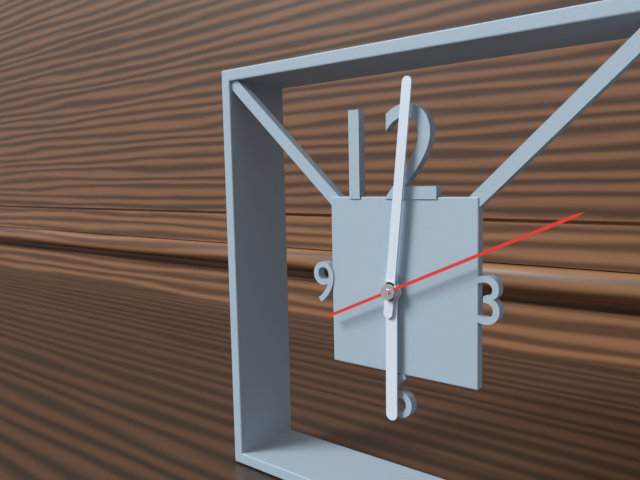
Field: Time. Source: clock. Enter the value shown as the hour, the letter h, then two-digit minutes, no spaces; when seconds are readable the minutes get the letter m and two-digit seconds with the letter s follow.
6h01m11s
